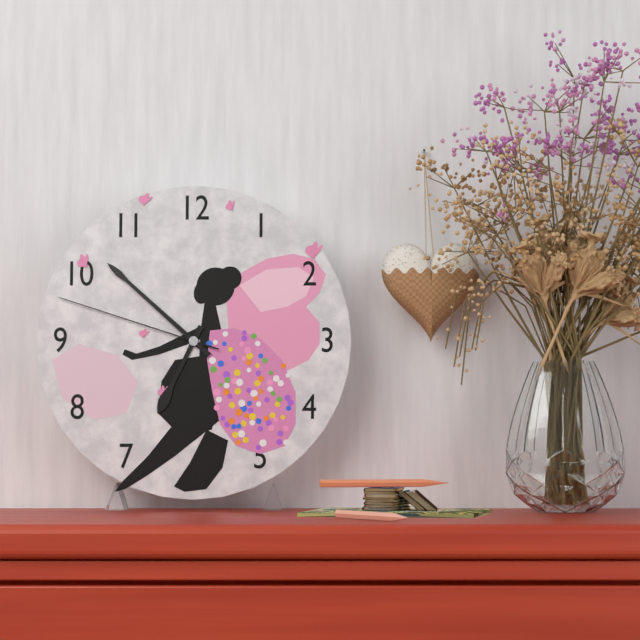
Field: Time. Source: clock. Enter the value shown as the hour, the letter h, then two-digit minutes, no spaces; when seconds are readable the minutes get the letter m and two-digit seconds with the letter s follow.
6h52m48s
